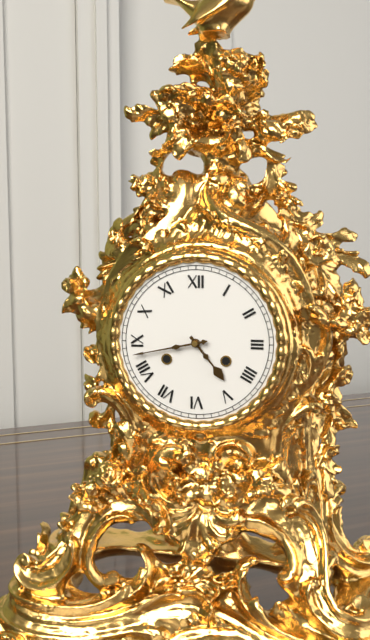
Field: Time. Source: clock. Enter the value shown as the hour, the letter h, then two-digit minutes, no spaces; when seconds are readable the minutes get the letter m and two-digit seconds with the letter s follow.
4h43
